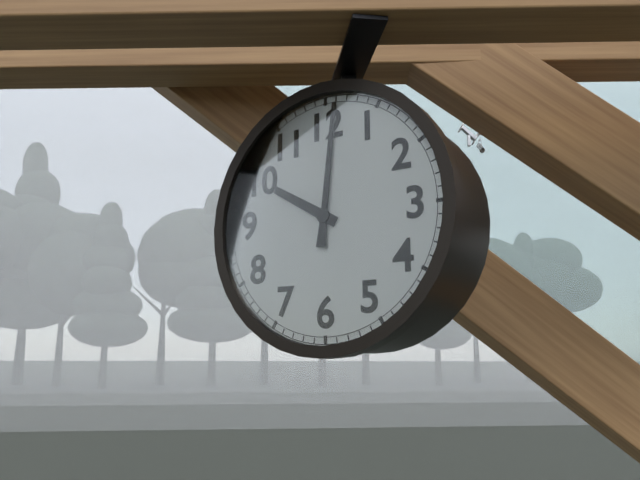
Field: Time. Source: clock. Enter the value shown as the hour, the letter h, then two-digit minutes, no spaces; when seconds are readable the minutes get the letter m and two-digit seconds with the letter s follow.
10h01
